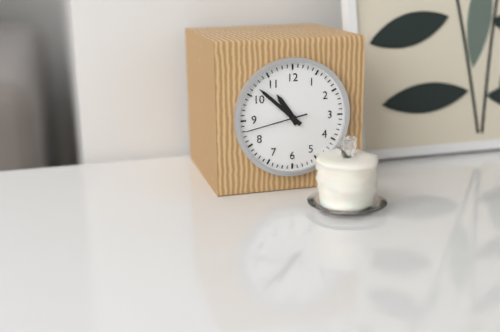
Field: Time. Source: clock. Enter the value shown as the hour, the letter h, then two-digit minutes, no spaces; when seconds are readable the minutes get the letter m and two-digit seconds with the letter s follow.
10h52m43s
